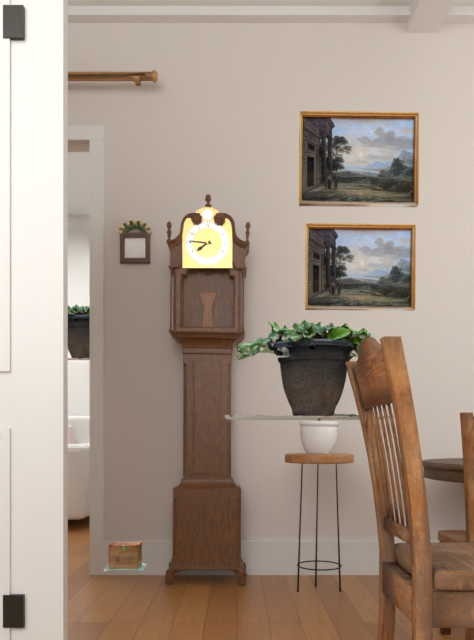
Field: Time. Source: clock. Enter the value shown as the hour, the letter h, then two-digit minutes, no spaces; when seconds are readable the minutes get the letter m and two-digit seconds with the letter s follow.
7h46
